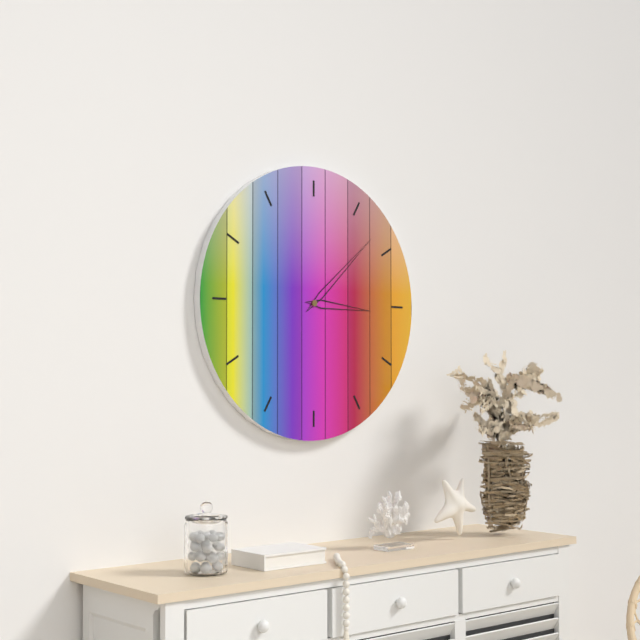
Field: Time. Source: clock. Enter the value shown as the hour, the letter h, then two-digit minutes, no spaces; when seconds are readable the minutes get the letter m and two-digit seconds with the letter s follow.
3h08
